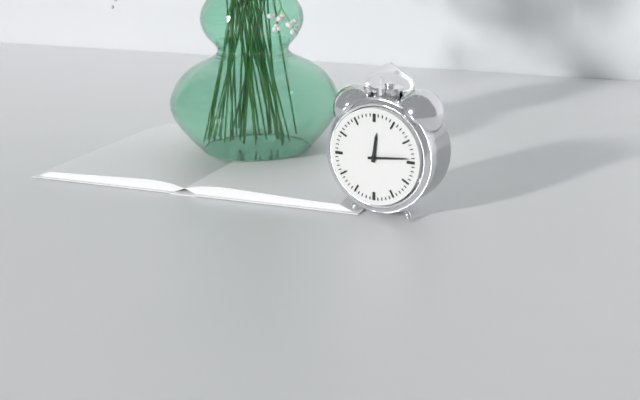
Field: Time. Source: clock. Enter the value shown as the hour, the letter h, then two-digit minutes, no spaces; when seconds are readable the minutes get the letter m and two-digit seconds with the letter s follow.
12h14
